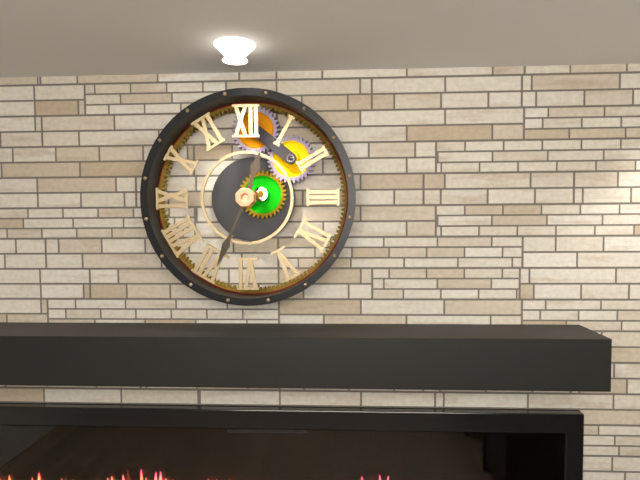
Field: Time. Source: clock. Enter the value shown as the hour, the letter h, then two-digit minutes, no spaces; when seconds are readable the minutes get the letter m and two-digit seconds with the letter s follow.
12h34
